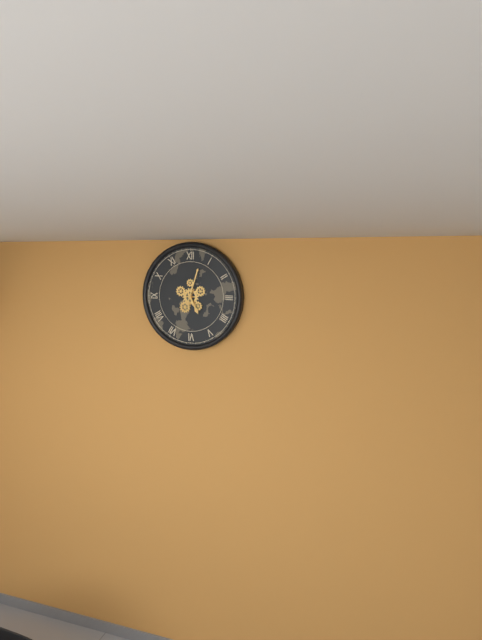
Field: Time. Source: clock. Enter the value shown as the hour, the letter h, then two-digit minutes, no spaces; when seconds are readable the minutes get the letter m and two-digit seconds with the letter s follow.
5h03
